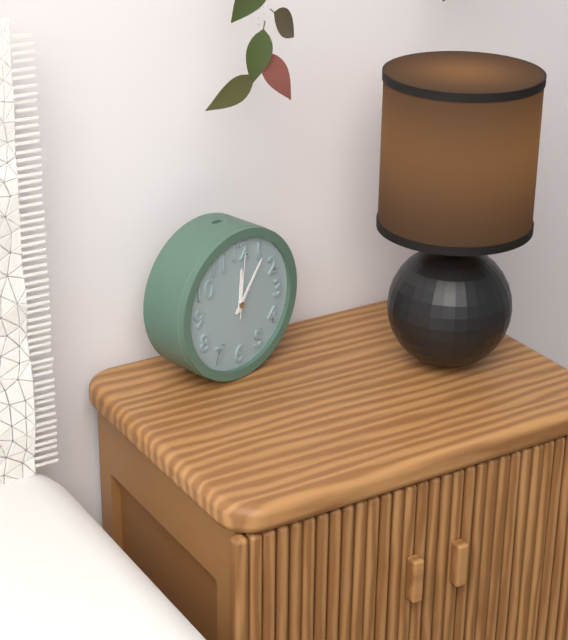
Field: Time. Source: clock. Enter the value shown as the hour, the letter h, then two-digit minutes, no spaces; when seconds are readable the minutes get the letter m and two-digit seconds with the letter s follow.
12h06m01s
